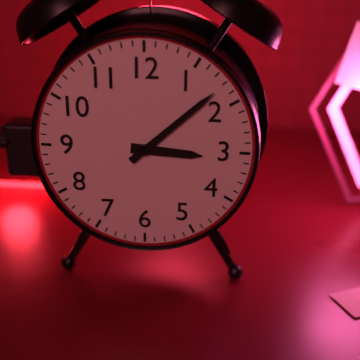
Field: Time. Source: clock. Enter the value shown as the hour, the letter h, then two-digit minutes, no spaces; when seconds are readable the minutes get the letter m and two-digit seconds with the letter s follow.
3h08
